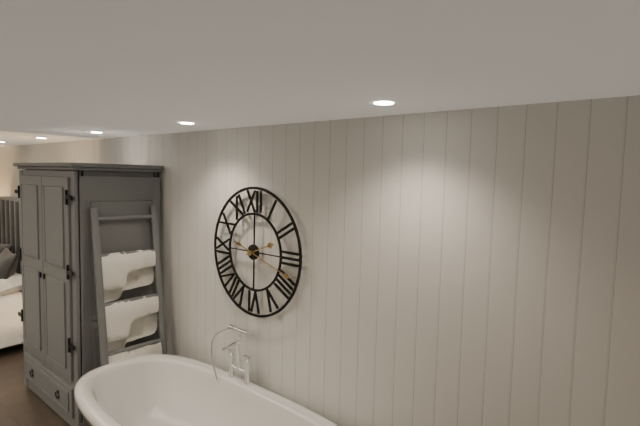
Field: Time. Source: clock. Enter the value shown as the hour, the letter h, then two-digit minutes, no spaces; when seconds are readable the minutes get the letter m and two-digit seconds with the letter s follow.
2h18
